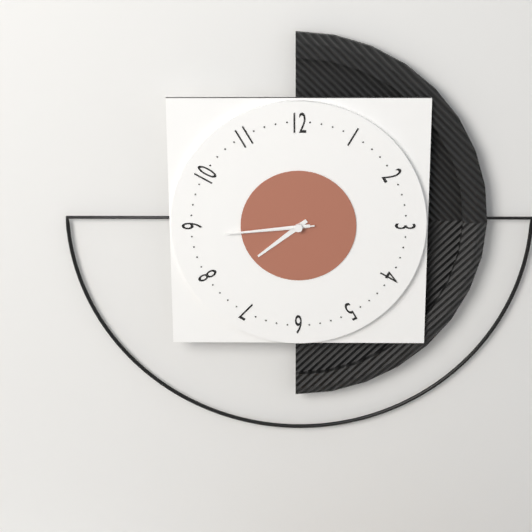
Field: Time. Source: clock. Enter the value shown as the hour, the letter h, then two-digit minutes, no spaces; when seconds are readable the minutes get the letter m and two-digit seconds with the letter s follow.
7h44m44s
